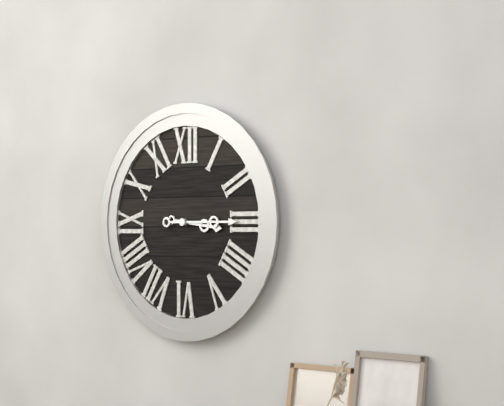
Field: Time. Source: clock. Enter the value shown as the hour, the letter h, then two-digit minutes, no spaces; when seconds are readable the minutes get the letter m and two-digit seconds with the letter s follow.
3h15
